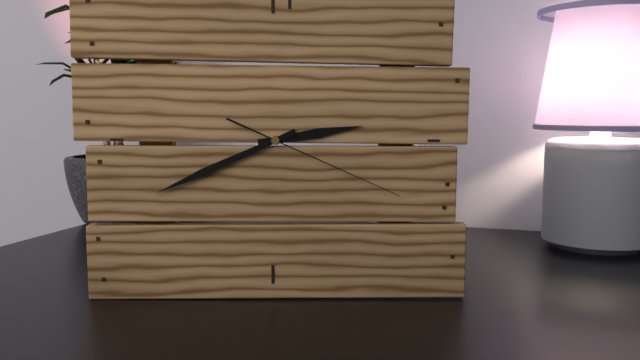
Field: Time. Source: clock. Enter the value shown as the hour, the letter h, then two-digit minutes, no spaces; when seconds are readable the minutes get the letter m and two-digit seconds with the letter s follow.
2h41m19s
